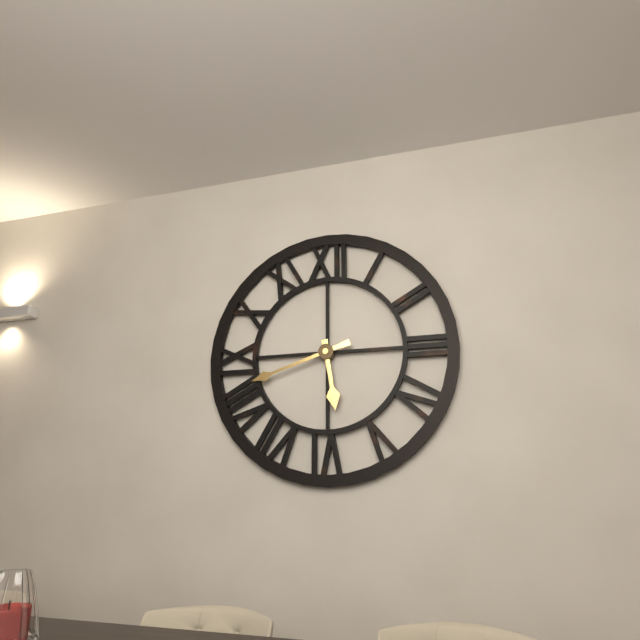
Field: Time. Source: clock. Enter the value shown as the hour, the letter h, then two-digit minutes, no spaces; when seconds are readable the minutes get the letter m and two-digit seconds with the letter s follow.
5h42
